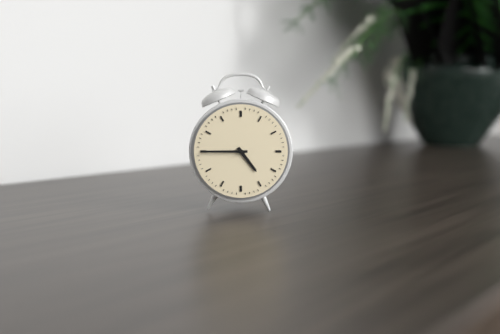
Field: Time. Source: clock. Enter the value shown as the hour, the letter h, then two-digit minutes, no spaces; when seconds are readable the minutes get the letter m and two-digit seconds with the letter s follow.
4h45
